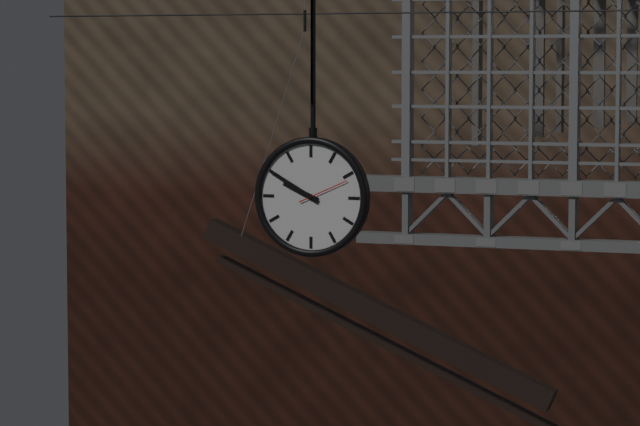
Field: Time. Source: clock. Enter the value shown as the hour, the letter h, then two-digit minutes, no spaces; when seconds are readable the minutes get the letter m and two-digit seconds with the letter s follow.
9h50m11s
